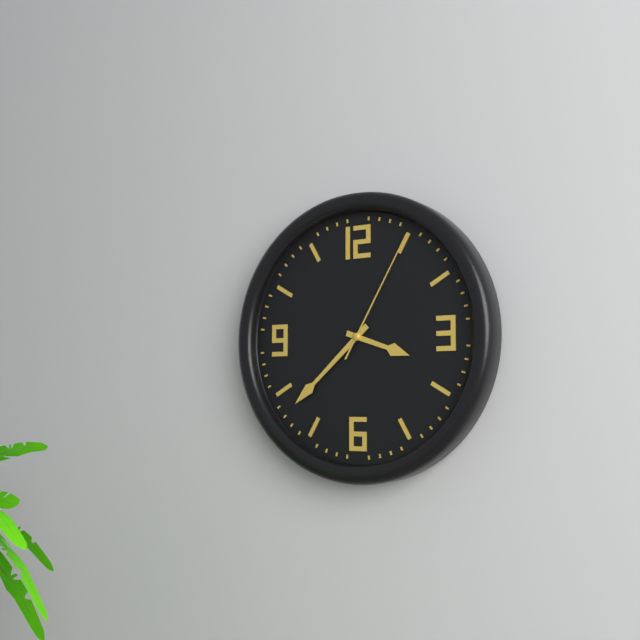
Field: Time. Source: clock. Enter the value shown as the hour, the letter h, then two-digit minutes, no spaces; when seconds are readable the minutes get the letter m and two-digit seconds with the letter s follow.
3h38m05s
